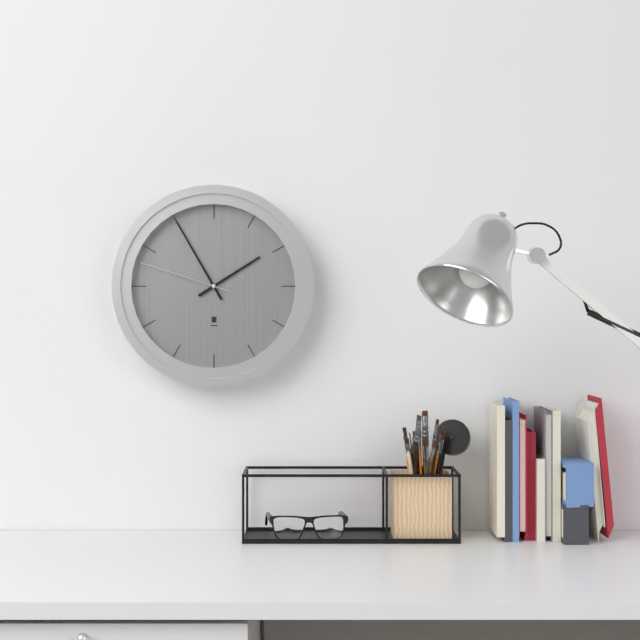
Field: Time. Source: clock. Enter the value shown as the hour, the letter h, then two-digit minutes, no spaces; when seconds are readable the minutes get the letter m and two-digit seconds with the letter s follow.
1h55m48s
